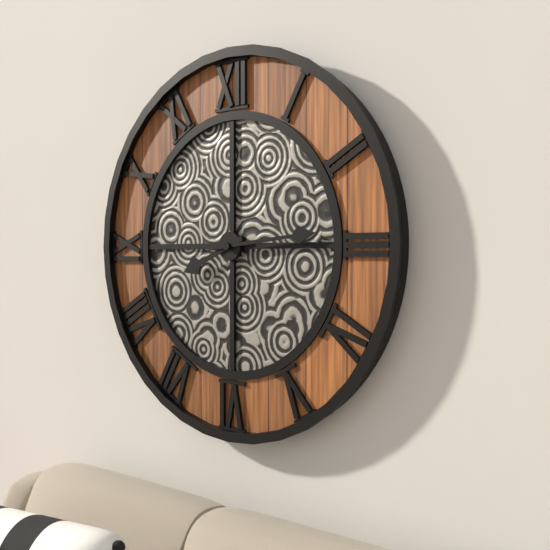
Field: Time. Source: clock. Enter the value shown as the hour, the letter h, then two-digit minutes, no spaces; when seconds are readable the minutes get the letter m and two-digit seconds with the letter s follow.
8h14
